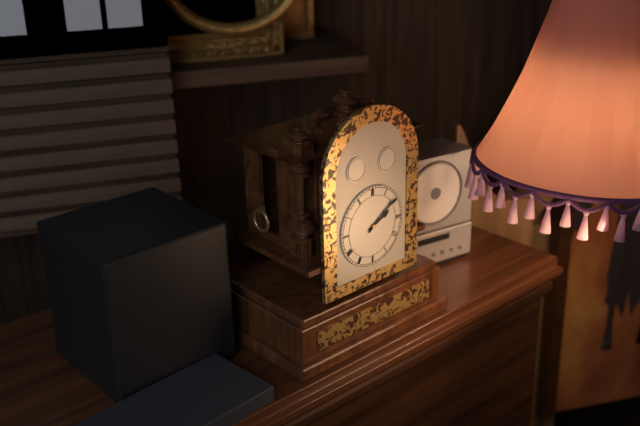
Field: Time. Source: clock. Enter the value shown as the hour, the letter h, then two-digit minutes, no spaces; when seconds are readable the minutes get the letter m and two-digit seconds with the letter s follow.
2h09
